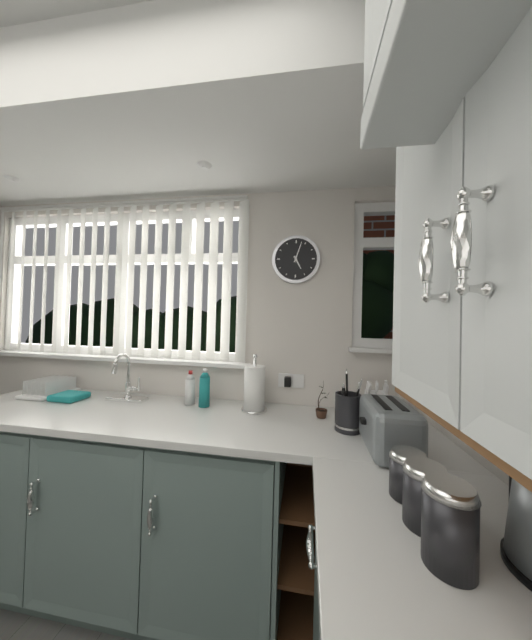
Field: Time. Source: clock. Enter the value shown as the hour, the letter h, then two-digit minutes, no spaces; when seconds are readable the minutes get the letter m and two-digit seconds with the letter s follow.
5h03
